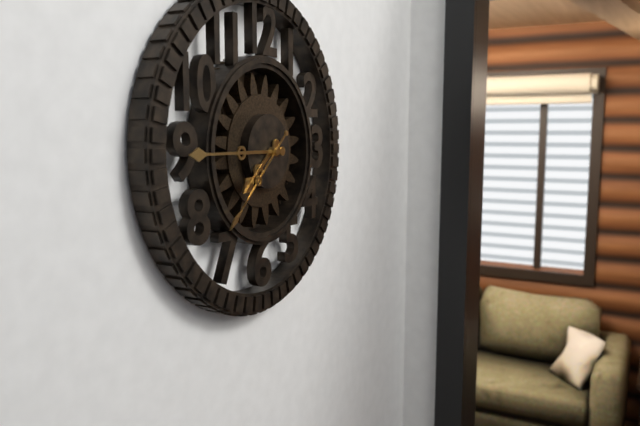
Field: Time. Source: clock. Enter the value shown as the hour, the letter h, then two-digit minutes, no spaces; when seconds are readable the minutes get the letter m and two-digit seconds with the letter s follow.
7h45m38s
